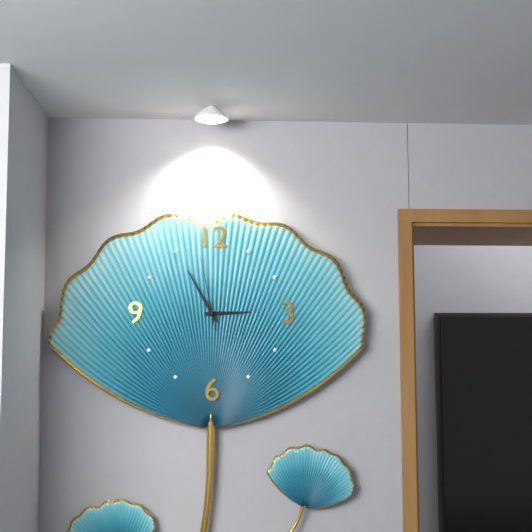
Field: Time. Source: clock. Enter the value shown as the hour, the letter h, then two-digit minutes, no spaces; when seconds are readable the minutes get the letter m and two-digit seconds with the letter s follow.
2h55m58s
